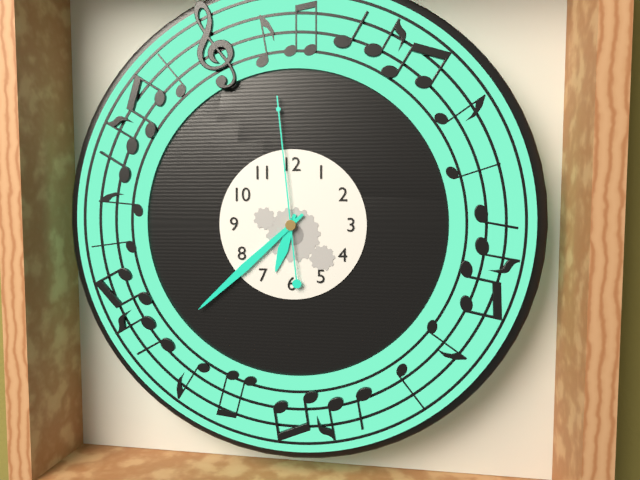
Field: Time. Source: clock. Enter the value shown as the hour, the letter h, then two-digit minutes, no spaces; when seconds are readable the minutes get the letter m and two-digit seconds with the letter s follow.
6h38m59s
